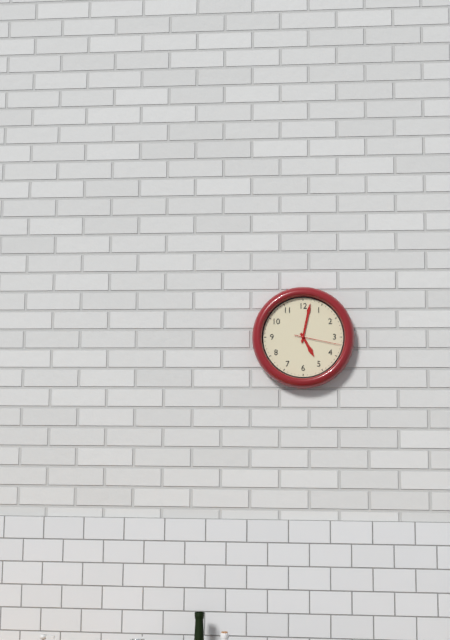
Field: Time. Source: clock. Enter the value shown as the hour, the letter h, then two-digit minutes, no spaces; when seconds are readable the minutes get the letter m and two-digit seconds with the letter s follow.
5h02
